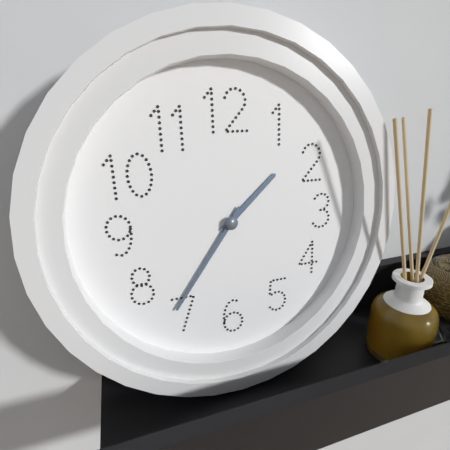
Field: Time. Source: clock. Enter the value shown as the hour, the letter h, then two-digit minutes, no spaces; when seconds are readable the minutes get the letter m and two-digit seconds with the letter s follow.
1h36
